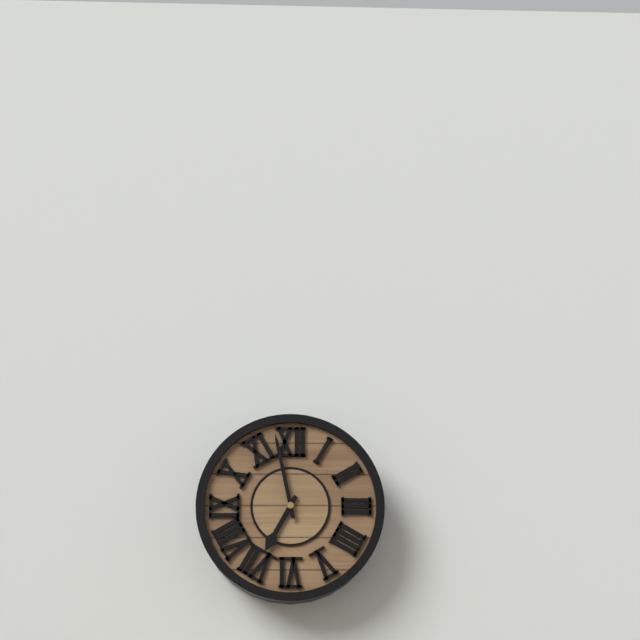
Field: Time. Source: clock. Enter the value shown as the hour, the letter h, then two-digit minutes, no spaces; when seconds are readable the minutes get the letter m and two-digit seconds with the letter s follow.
6h58
